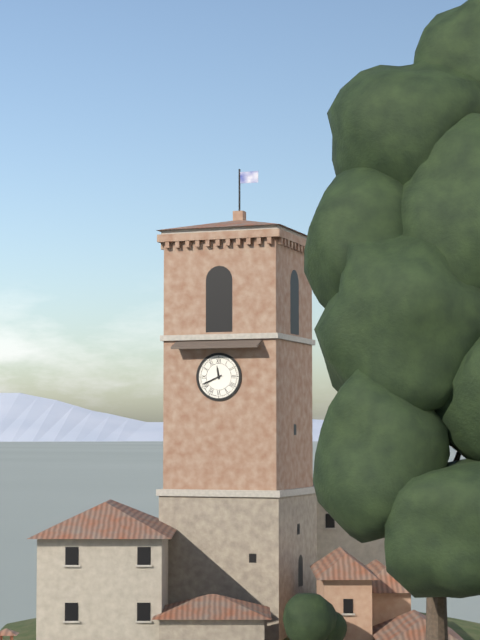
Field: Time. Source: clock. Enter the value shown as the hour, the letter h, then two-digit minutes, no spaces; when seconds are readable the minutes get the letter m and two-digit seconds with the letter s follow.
11h41
